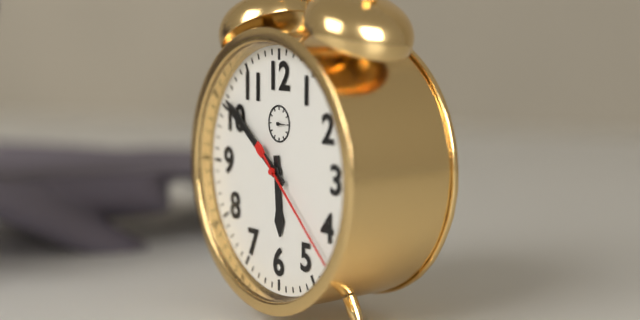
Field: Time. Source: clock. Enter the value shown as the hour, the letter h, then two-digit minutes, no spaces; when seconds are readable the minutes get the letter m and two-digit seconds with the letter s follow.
5h51m22s
